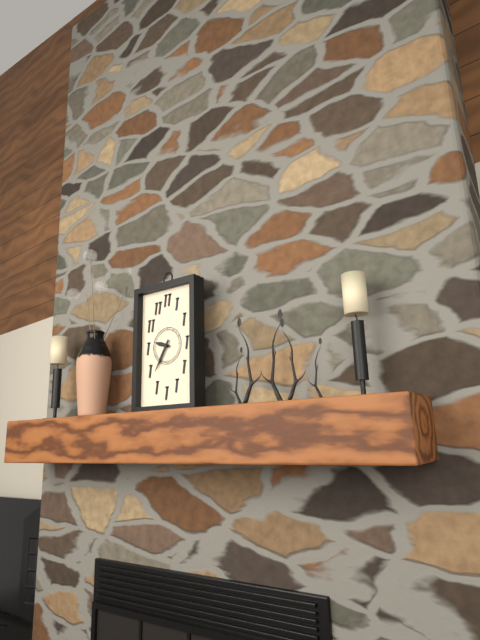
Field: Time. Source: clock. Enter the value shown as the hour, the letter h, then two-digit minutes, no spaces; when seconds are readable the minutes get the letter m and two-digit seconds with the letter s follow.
9h35
